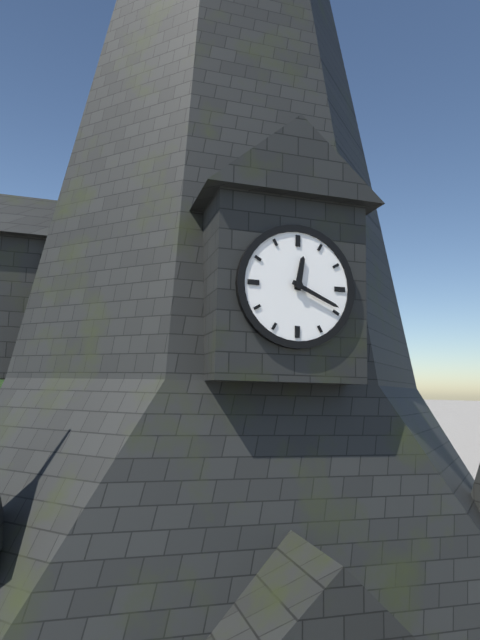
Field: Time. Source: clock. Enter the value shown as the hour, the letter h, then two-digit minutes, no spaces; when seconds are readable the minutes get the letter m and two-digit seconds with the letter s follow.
12h19
